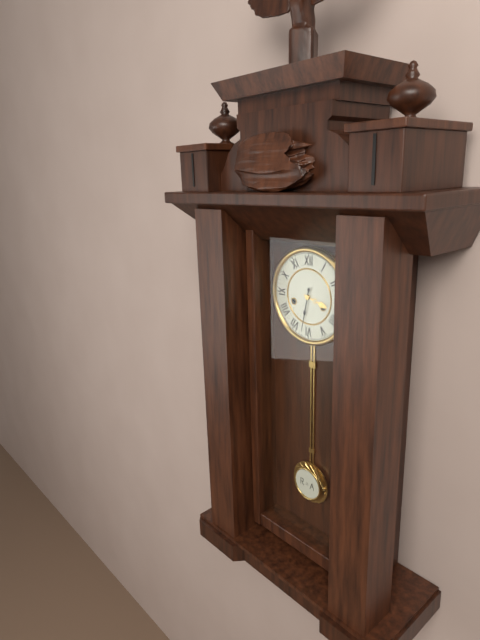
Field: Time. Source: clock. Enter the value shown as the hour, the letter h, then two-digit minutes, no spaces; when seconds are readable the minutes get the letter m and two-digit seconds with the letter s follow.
3h32
